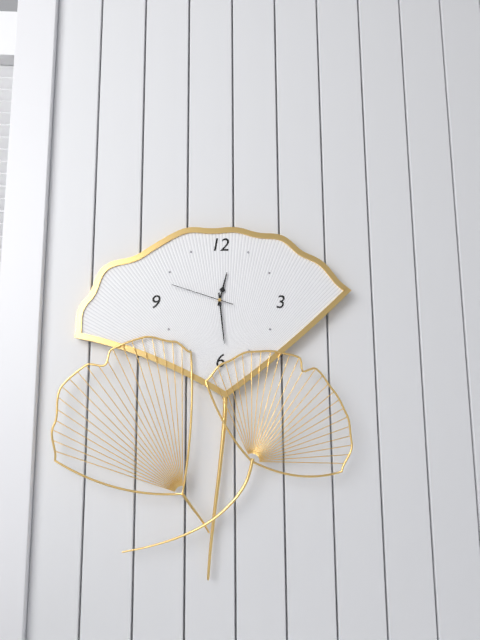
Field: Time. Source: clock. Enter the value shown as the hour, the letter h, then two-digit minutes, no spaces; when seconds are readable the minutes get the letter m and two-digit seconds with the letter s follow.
12h29m48s
